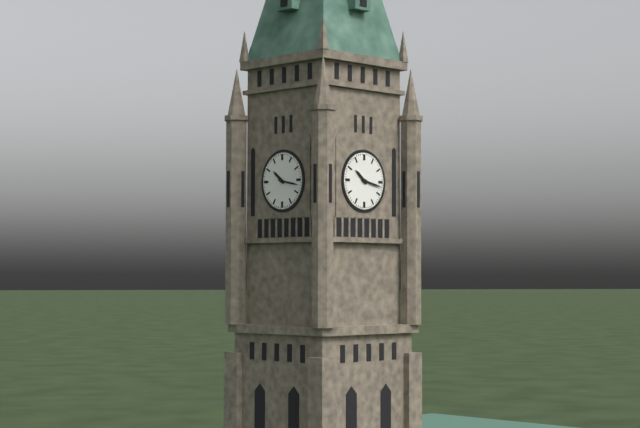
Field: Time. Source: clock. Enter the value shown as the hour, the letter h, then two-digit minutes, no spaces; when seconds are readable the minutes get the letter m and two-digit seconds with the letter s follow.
10h17
